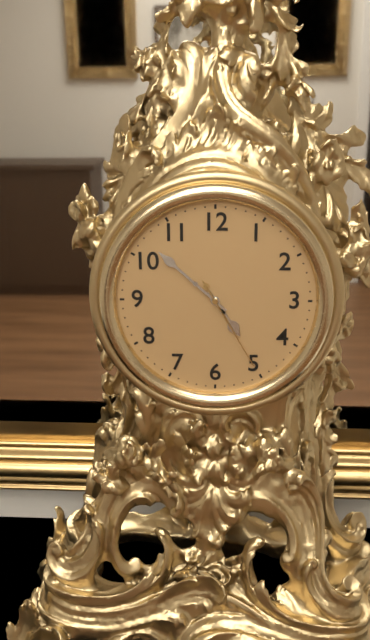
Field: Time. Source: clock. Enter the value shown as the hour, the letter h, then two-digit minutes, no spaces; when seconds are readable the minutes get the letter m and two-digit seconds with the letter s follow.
4h52m25s
